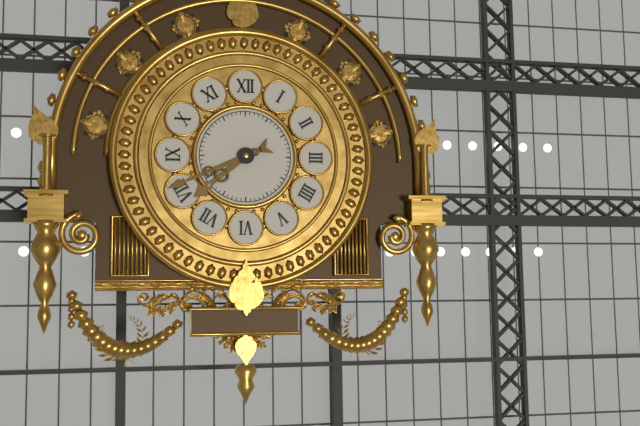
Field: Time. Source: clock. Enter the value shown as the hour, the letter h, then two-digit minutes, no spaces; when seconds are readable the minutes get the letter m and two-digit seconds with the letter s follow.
7h41
